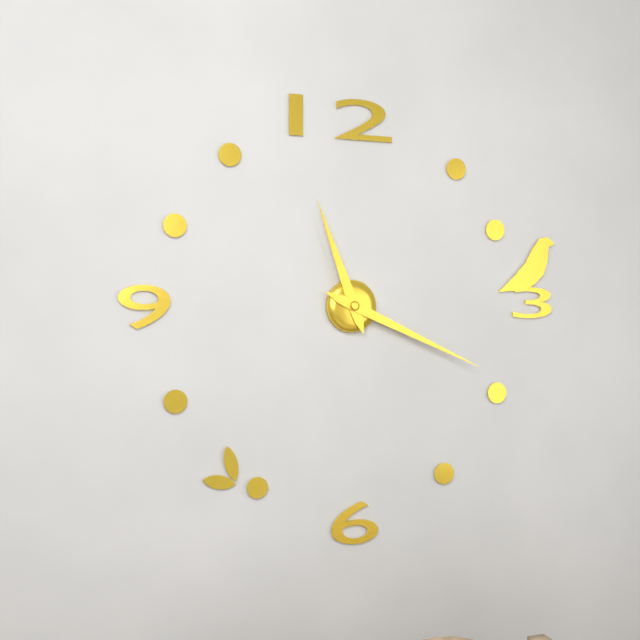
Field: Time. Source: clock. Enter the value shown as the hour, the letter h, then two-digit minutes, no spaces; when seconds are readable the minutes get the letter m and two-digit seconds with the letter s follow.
11h19
